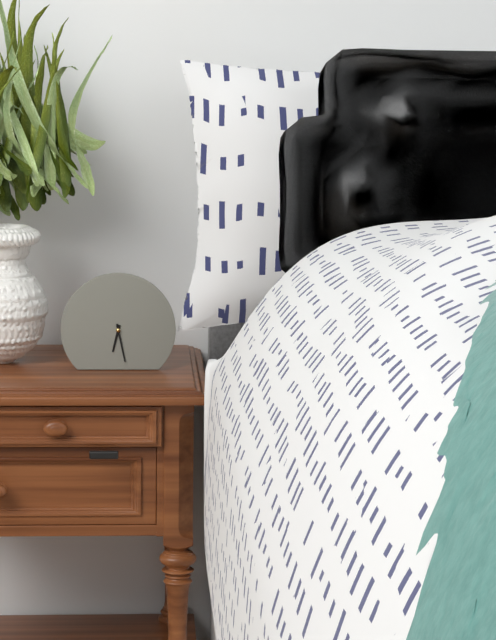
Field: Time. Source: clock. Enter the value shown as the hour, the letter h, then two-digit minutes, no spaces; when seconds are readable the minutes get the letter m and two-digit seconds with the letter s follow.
6h28
